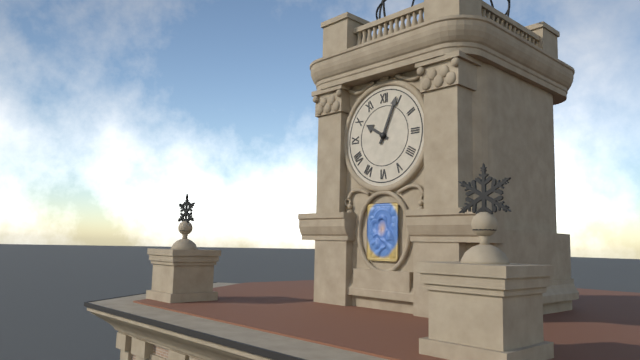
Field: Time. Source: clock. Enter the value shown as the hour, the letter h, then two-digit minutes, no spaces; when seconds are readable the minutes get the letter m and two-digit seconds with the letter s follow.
10h04
